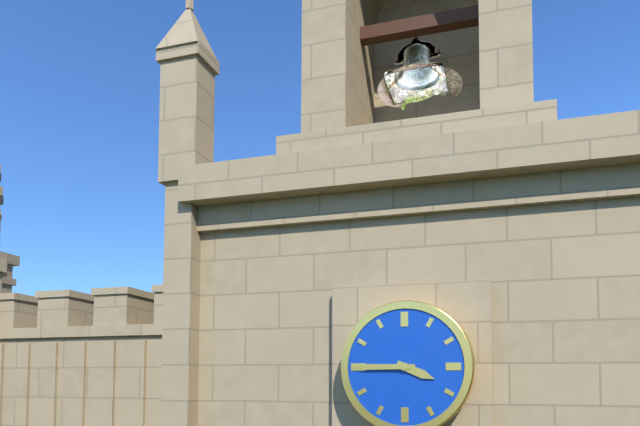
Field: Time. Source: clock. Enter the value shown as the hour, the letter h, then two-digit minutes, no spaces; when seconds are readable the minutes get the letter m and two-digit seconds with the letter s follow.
3h45
